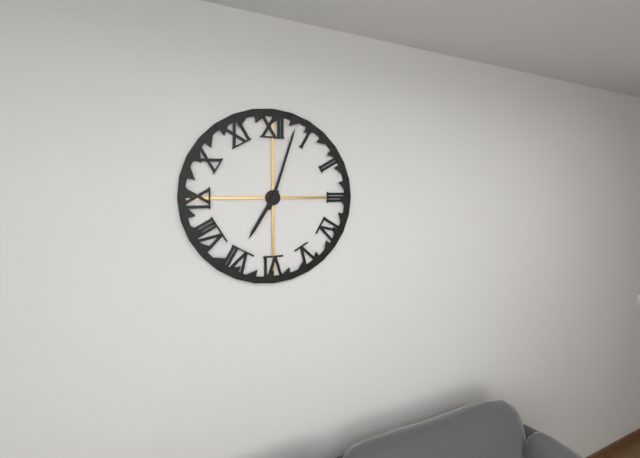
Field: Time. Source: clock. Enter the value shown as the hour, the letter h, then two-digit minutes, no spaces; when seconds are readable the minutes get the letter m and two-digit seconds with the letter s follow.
7h03
